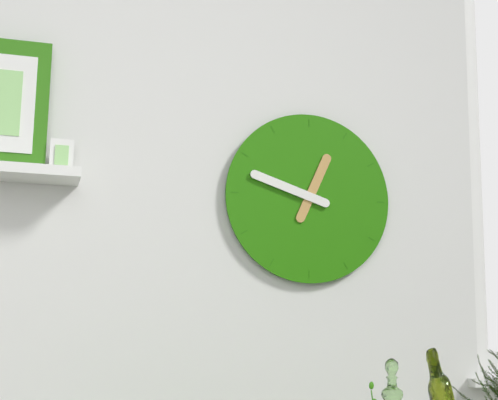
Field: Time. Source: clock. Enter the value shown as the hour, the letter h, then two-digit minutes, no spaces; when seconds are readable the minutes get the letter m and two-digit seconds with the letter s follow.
12h48
